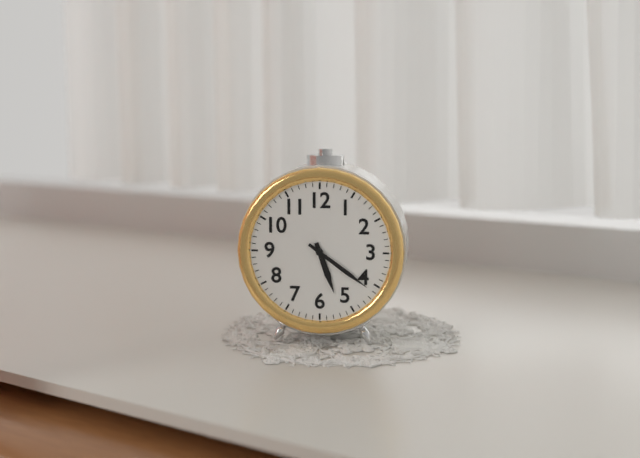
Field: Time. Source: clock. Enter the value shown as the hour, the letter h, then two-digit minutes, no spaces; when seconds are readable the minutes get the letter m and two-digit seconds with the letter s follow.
5h21
